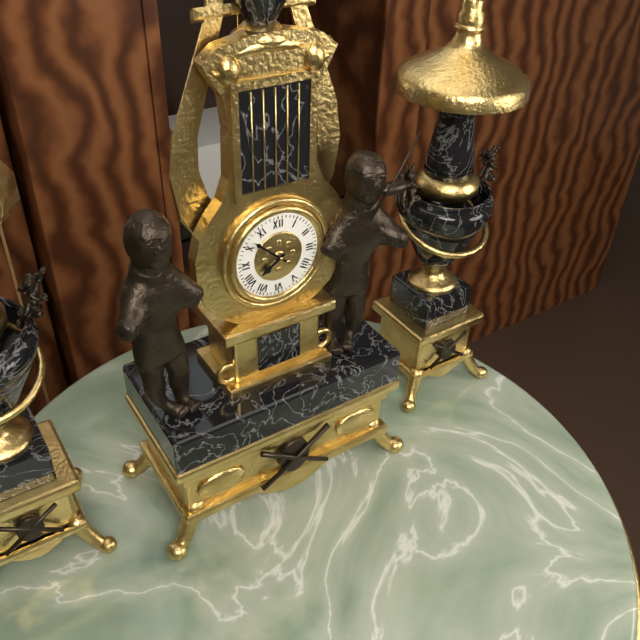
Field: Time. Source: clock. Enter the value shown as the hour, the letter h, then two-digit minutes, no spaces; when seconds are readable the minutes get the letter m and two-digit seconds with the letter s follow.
7h52
